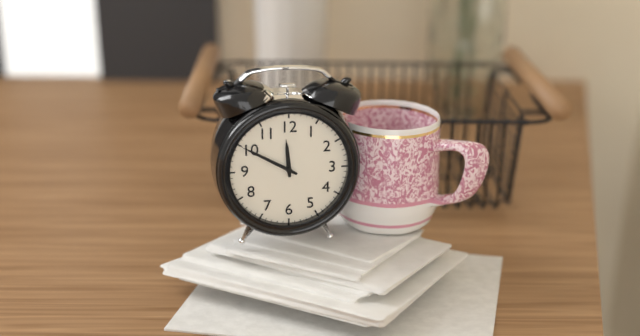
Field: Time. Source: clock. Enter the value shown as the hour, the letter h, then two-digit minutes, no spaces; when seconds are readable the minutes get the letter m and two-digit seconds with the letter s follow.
11h50
